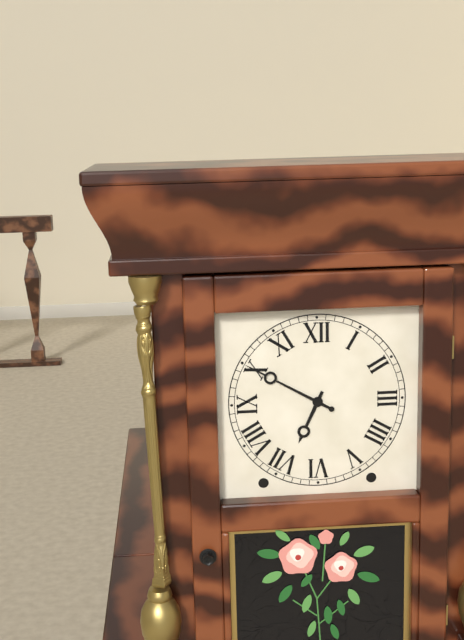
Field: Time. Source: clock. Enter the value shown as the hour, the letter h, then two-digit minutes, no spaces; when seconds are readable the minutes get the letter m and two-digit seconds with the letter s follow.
6h50
